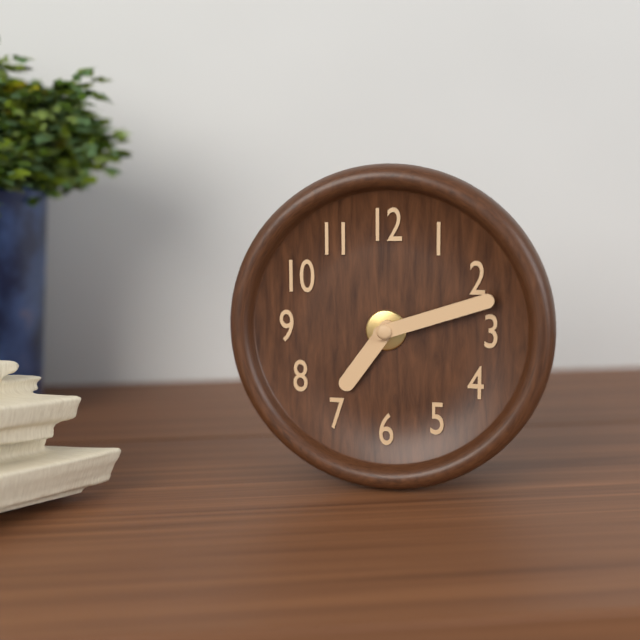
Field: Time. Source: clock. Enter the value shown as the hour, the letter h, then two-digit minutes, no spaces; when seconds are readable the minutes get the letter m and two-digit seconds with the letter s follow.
7h12
